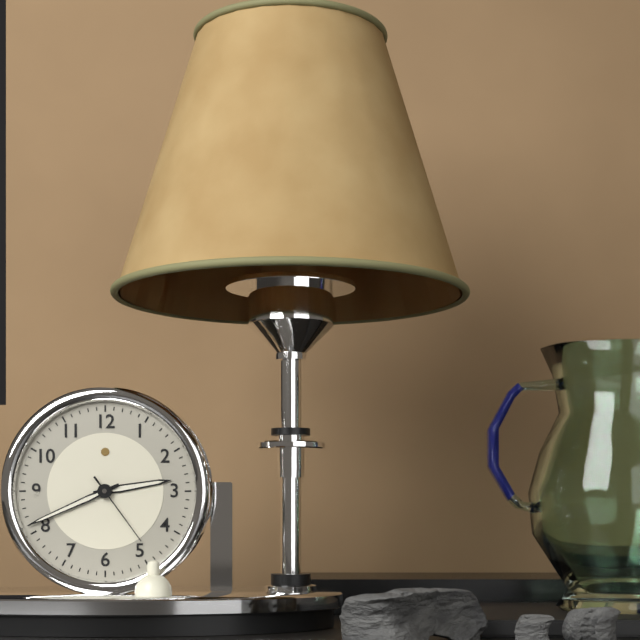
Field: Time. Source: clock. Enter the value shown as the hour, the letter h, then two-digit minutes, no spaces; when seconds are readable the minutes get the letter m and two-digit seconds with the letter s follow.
2h41m24s
